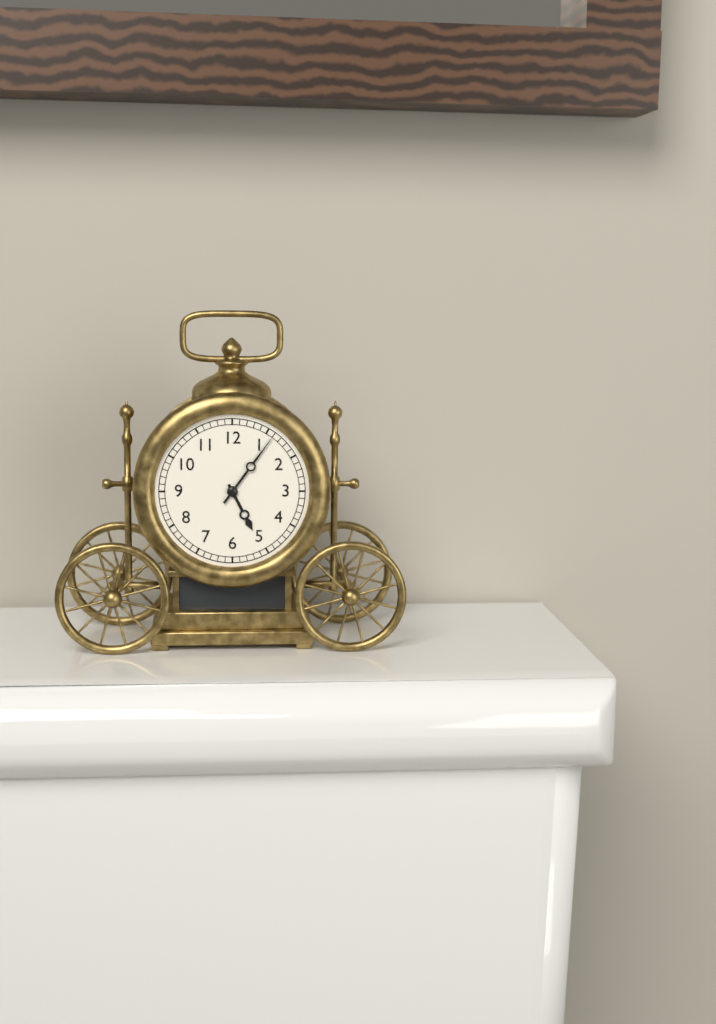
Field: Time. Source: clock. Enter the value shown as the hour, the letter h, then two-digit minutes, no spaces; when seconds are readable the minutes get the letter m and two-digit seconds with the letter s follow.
5h06
